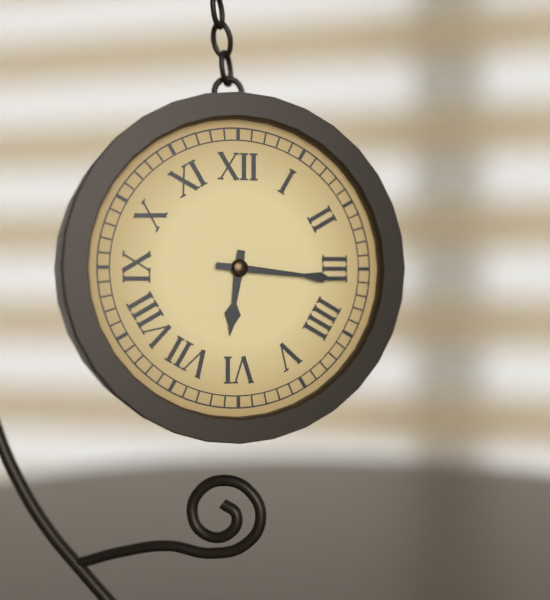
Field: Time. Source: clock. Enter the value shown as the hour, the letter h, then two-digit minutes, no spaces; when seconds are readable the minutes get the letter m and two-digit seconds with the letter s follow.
6h16
